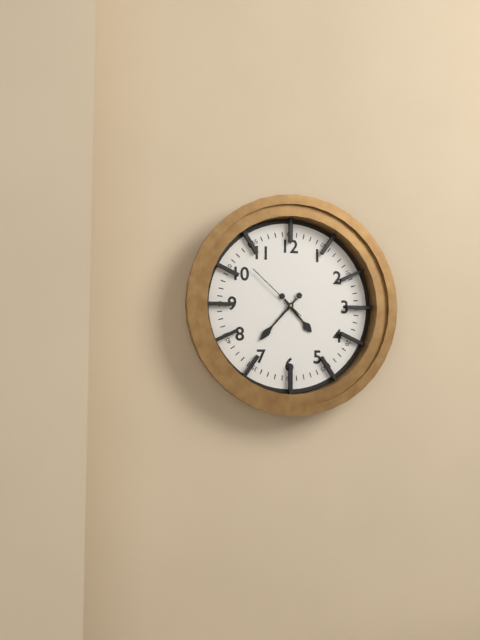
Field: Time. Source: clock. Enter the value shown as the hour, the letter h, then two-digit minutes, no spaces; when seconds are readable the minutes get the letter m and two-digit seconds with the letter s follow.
4h37m52s
